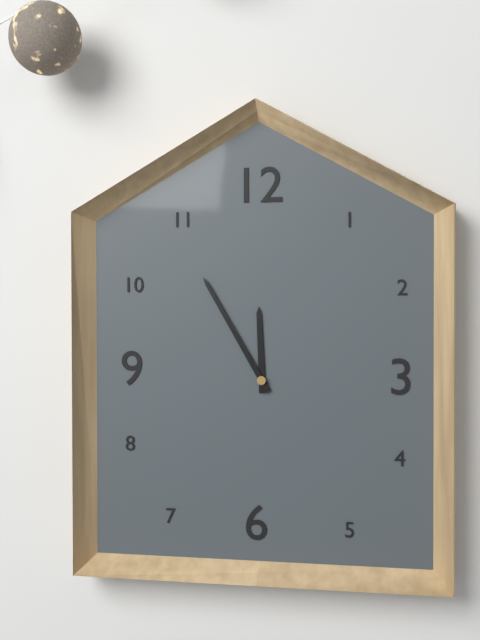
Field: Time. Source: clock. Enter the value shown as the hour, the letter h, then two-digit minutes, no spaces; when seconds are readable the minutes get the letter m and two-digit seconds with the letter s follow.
11h55
